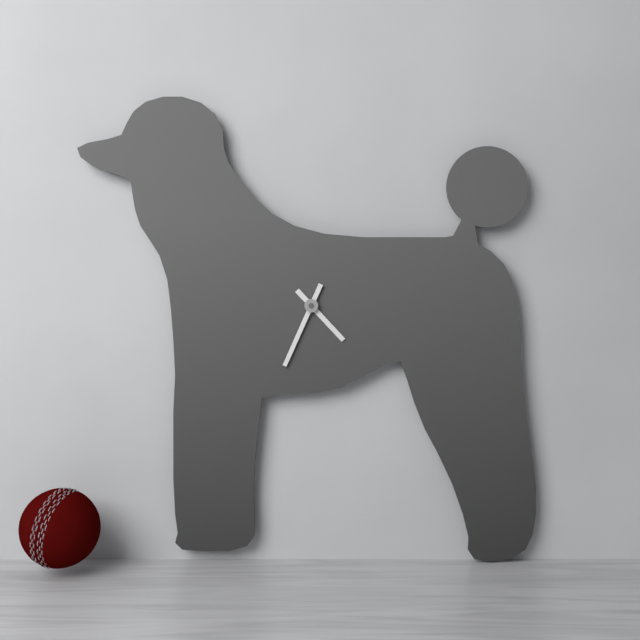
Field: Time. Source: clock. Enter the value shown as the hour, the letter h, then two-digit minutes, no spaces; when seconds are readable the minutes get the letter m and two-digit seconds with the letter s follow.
4h34
